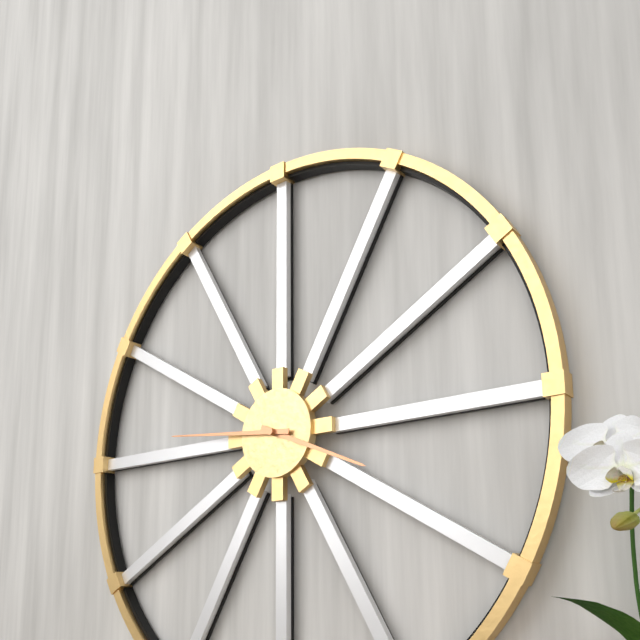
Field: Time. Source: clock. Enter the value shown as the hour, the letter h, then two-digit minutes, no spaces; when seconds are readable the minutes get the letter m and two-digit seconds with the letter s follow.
3h46
